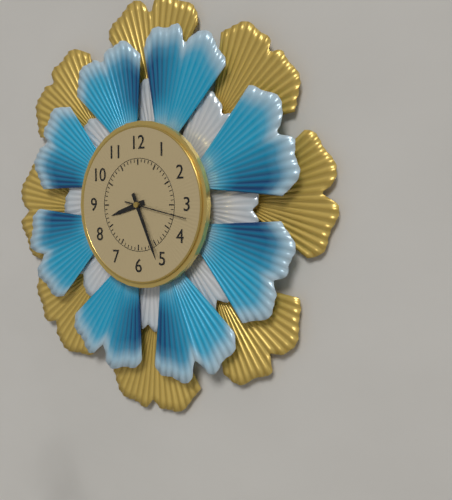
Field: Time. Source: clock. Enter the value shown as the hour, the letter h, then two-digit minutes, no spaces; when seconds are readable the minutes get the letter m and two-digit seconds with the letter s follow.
8h26
